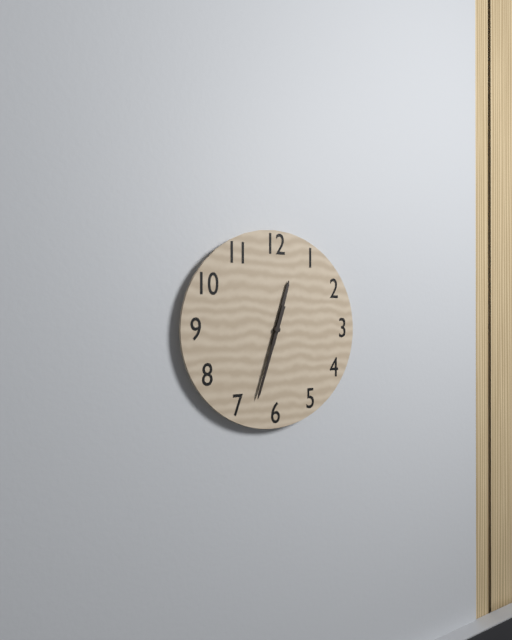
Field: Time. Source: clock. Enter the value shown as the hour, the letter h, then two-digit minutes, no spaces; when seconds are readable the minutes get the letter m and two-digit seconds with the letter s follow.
12h33
